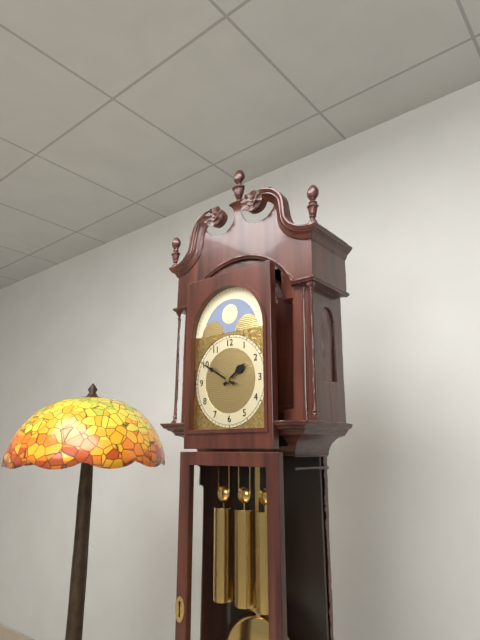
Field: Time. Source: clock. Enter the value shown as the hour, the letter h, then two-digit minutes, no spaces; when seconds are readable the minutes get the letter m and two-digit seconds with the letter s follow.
1h50
